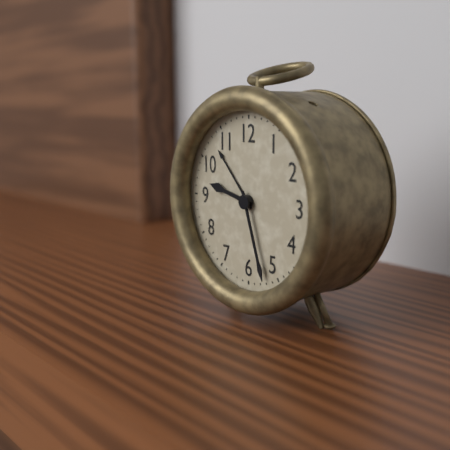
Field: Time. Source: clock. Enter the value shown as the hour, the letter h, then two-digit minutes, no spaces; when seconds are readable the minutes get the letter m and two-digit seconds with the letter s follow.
9h27
